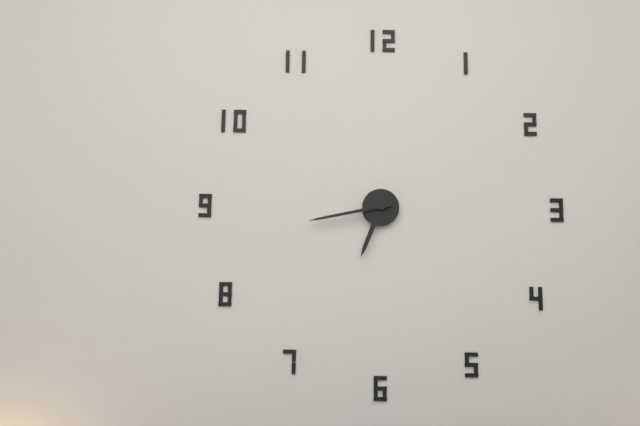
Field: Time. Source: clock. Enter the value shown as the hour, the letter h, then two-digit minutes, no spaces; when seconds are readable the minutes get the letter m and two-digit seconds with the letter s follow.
6h43
